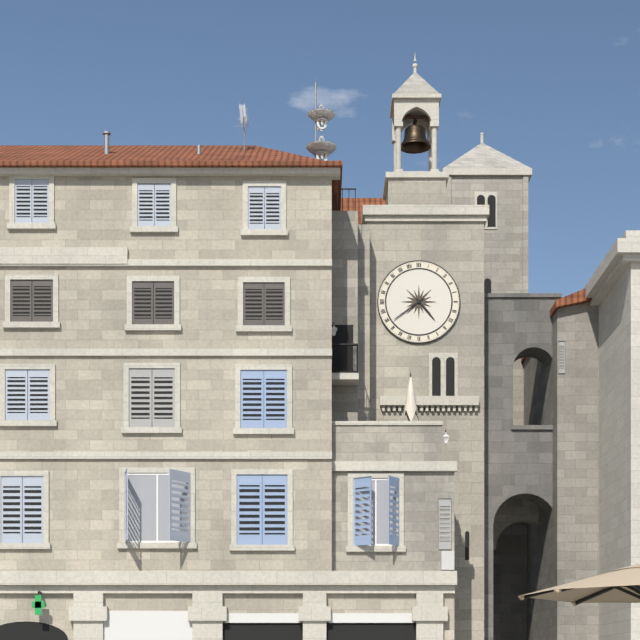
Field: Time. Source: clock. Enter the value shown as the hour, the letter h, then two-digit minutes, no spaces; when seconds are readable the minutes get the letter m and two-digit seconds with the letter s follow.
4h39
